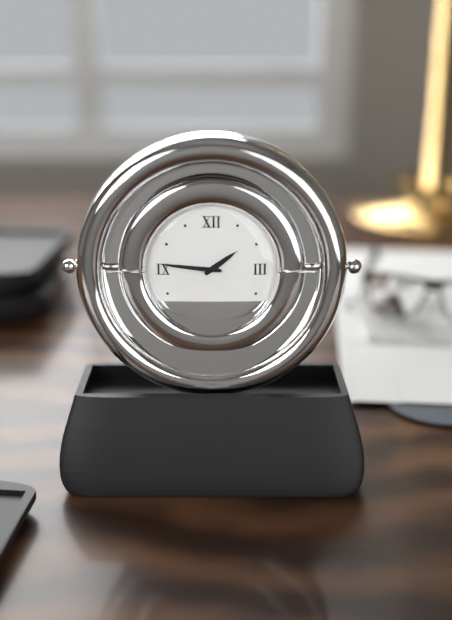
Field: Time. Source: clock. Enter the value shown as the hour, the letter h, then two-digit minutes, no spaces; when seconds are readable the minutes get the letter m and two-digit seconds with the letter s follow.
1h46
